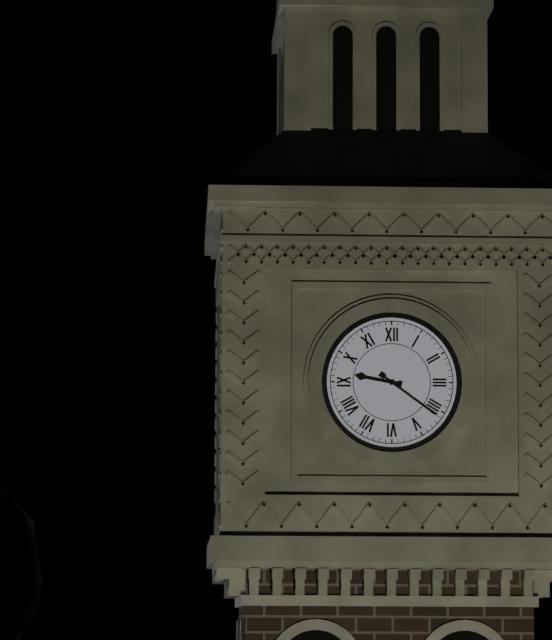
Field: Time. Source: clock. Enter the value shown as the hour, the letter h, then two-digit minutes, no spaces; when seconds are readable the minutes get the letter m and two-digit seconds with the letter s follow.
9h21
